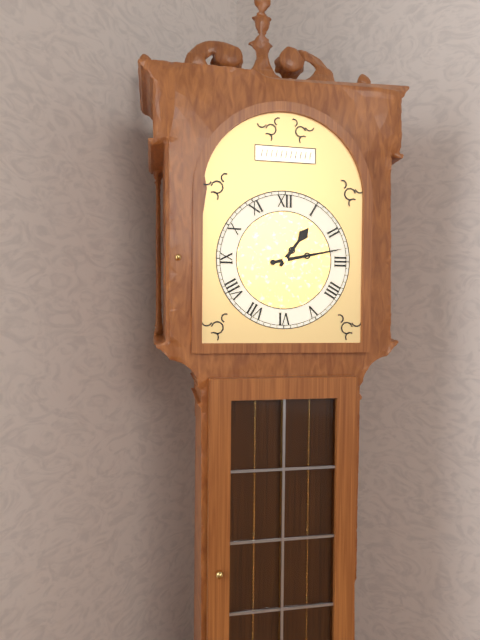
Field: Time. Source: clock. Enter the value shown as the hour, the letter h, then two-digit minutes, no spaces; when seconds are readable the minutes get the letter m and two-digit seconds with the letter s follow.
1h13
